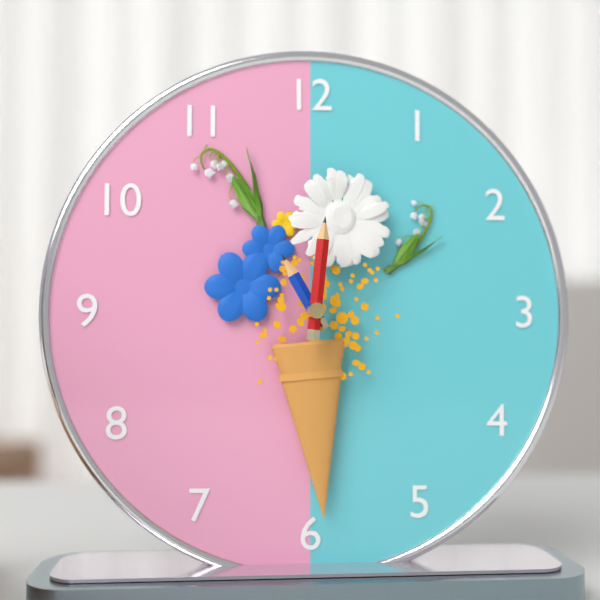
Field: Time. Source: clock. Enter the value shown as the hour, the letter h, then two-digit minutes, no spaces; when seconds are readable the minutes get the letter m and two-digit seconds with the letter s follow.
11h01
